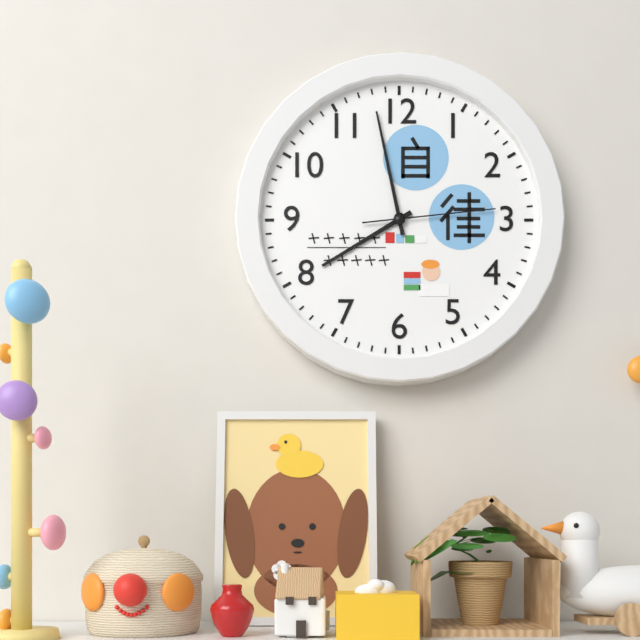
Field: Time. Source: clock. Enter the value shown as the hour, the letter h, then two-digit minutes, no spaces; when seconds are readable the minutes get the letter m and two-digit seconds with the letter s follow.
7h58m14s
